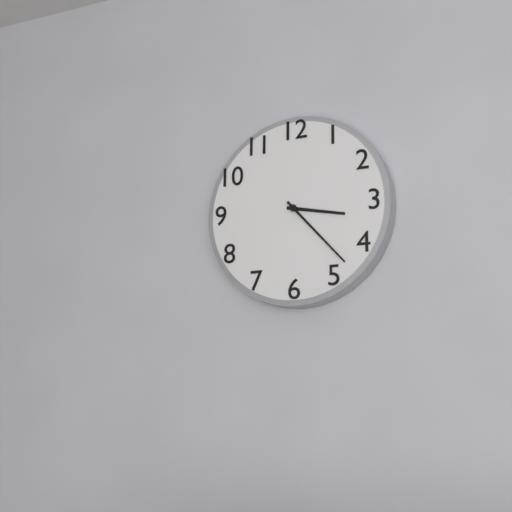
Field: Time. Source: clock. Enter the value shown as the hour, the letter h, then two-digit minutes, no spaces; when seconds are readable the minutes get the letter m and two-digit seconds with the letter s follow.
3h23
